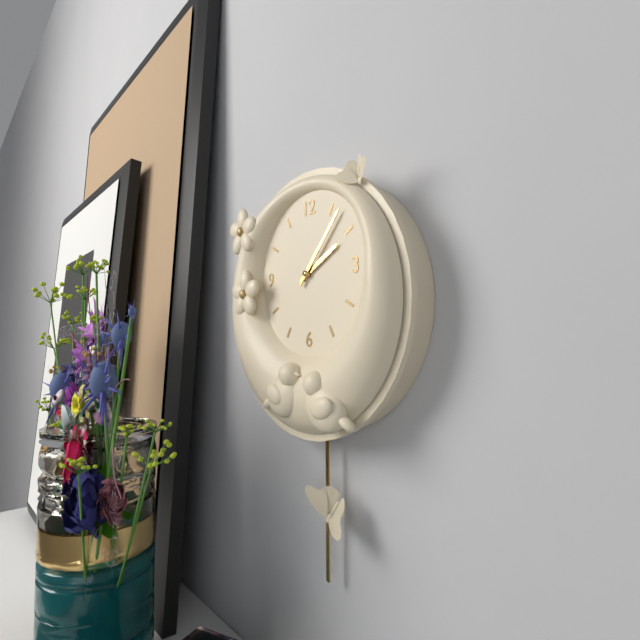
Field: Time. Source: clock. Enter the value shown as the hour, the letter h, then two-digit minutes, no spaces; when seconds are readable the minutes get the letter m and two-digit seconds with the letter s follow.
2h07
